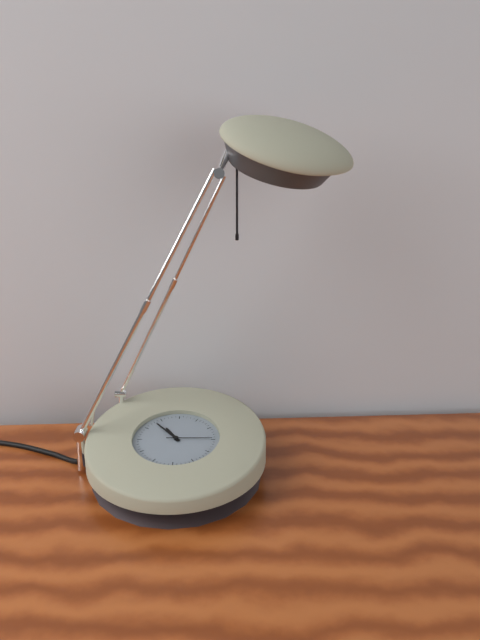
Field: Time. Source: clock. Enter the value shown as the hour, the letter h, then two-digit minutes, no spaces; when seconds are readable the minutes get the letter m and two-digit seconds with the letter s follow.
10h53
